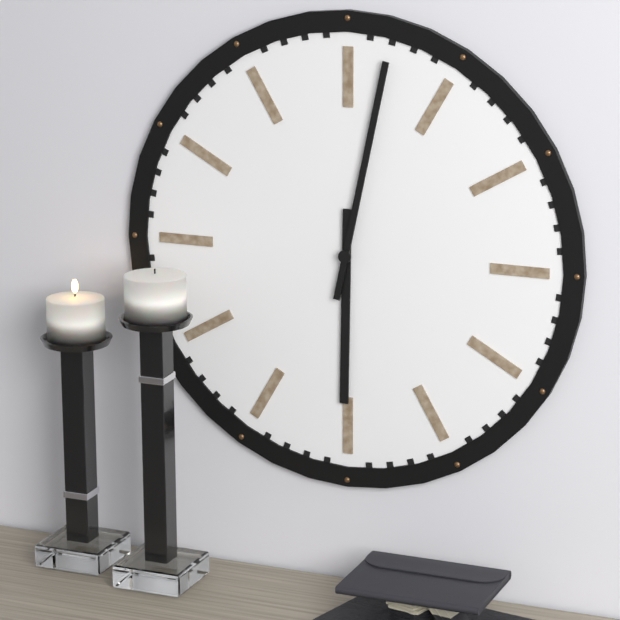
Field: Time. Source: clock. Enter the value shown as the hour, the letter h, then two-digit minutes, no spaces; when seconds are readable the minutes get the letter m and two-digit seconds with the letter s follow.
6h02
